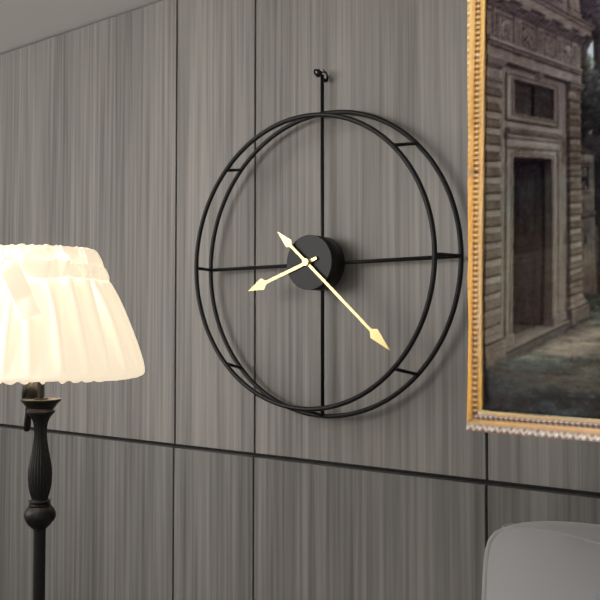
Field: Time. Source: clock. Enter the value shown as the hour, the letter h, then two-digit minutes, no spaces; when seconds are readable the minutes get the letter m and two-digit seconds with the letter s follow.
8h22
